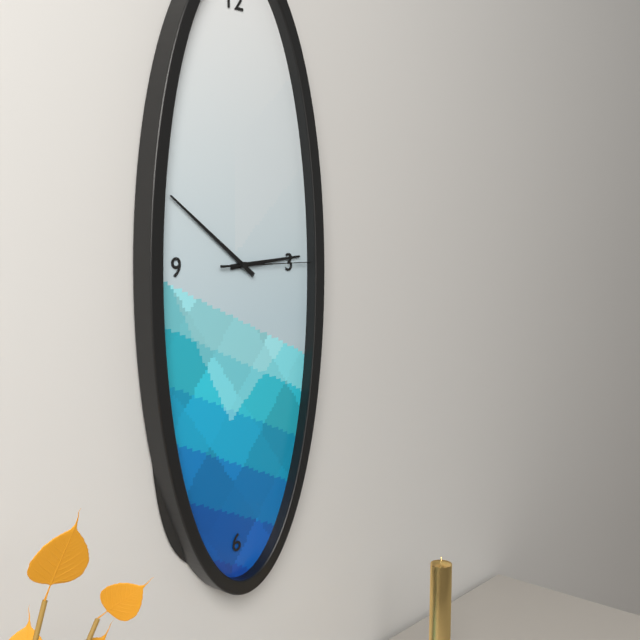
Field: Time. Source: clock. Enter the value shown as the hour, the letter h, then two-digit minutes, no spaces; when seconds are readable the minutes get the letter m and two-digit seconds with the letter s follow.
2h51m15s
